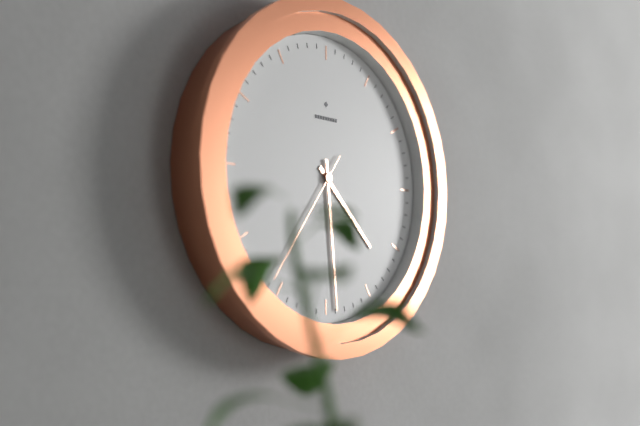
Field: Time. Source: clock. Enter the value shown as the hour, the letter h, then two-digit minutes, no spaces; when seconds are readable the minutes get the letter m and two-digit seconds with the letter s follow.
4h29m36s
